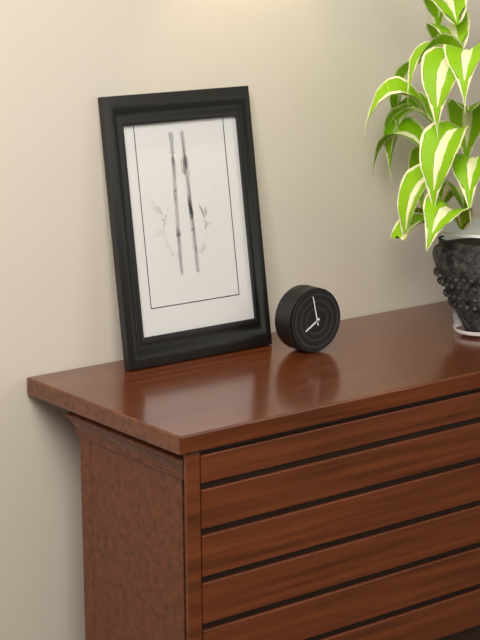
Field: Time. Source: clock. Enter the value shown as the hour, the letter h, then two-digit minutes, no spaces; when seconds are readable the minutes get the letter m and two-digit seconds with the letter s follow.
7h58
